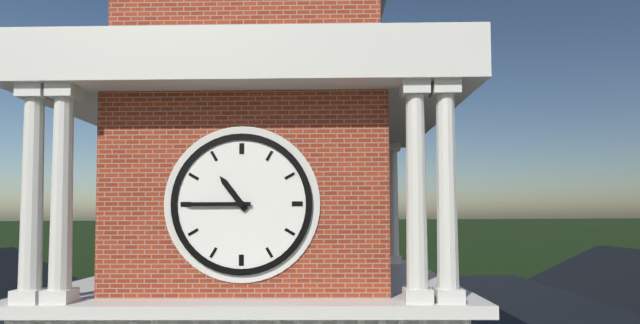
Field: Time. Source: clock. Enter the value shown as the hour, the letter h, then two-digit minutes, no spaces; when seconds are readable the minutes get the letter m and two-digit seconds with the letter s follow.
10h45
